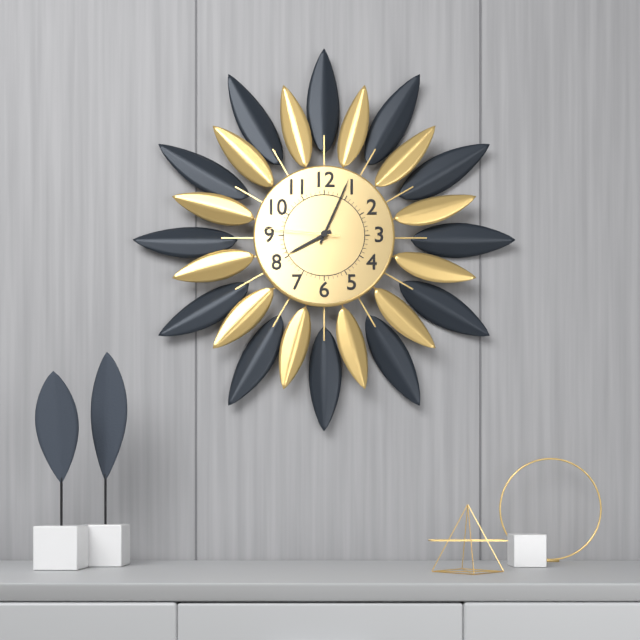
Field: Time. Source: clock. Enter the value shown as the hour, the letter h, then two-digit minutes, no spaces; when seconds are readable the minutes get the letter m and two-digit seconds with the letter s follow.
8h04m46s
